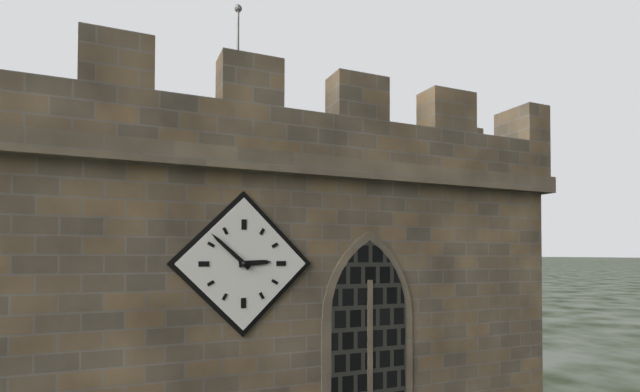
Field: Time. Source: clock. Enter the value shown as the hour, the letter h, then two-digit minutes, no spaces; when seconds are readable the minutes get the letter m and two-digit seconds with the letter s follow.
2h52
